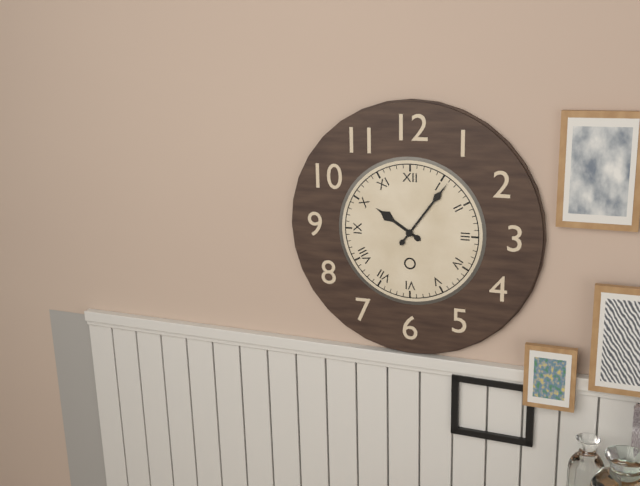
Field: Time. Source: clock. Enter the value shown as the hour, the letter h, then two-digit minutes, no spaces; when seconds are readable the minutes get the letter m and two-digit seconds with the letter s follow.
10h06
